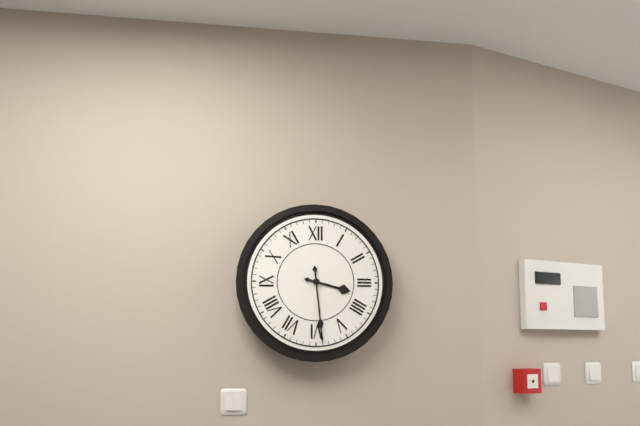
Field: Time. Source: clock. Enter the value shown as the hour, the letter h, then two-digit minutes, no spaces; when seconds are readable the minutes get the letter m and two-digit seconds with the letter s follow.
3h29
